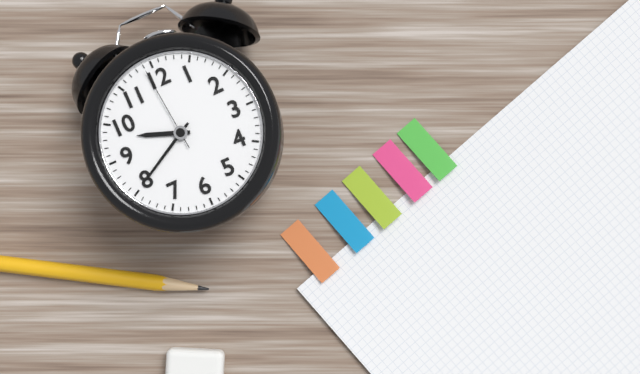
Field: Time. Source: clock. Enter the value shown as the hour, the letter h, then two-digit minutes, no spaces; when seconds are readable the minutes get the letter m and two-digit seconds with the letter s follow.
9h40m59s
